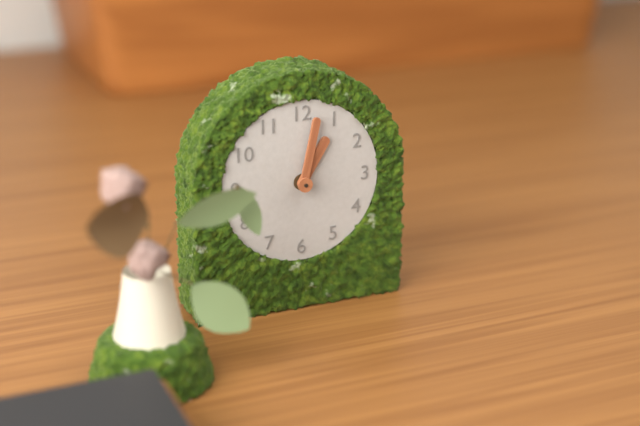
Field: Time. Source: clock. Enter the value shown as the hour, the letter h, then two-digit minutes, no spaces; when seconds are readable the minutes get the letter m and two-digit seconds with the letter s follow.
1h02
